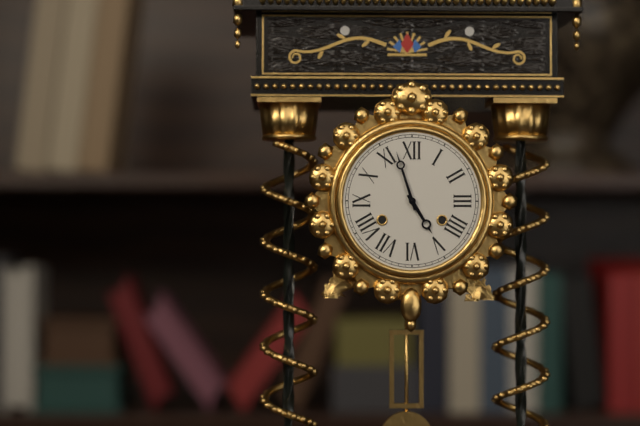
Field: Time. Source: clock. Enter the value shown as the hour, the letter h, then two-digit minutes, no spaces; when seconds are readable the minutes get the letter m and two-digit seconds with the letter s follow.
4h57
